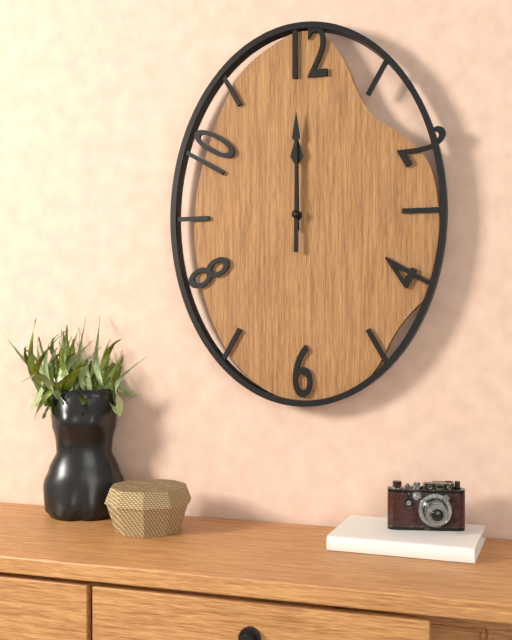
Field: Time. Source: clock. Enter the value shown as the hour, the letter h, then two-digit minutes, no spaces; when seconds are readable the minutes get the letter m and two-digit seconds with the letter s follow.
12h00
